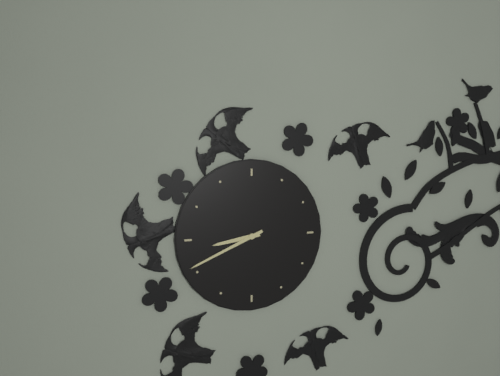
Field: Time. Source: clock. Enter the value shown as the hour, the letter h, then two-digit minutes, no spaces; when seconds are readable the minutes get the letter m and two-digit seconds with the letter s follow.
8h41
